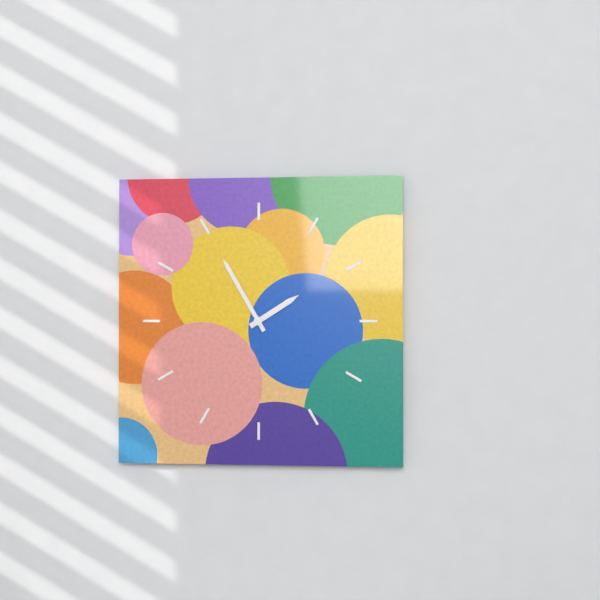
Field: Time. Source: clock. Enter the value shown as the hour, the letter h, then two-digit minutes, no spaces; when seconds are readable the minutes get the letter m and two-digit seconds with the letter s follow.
1h55
